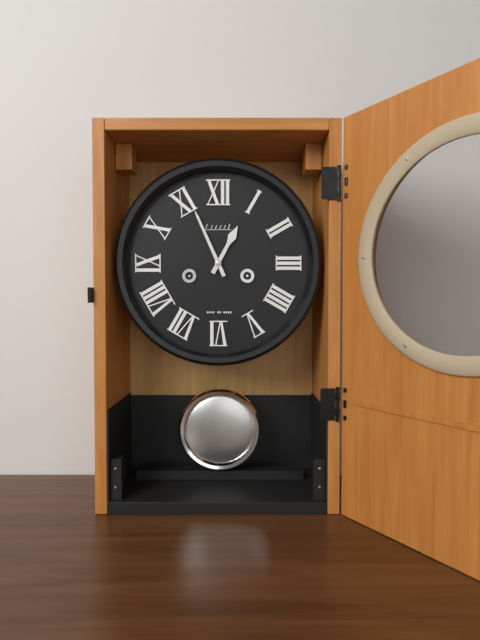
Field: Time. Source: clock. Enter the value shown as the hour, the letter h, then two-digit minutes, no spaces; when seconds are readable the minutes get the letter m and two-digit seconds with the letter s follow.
12h56
